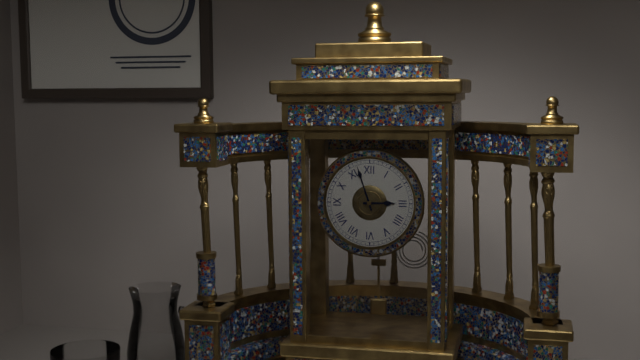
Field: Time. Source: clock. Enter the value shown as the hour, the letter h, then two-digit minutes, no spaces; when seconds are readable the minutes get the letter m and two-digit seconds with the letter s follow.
2h57
